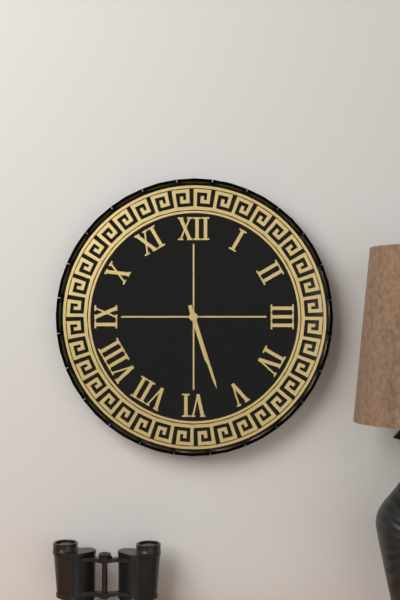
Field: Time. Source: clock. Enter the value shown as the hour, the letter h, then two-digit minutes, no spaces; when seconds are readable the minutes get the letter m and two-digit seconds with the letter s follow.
5h27
